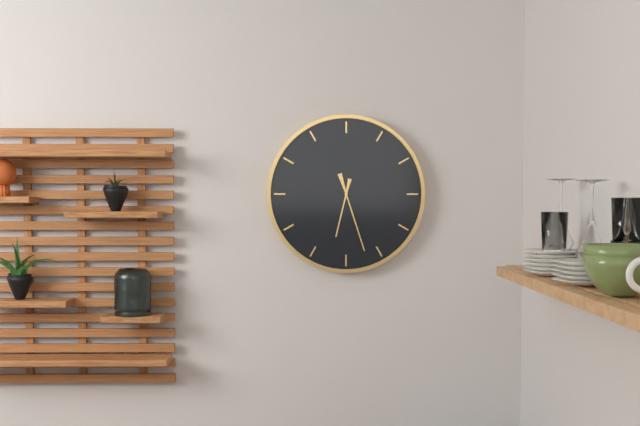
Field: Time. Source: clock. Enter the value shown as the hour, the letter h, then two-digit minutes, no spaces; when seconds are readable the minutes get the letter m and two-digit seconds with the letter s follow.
6h27
